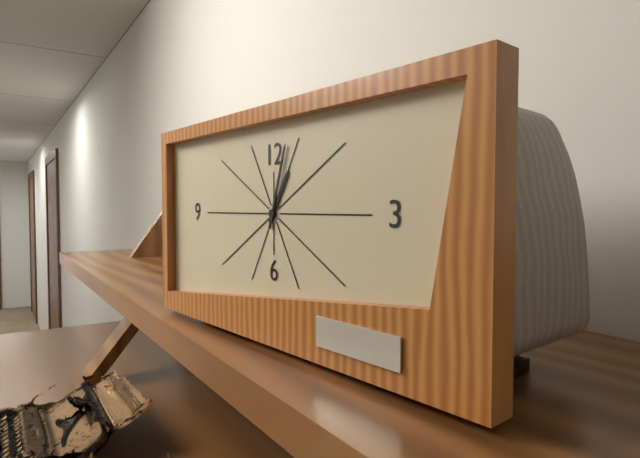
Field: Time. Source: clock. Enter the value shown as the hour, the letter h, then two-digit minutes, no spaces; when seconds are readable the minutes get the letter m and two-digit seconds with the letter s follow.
1h03
